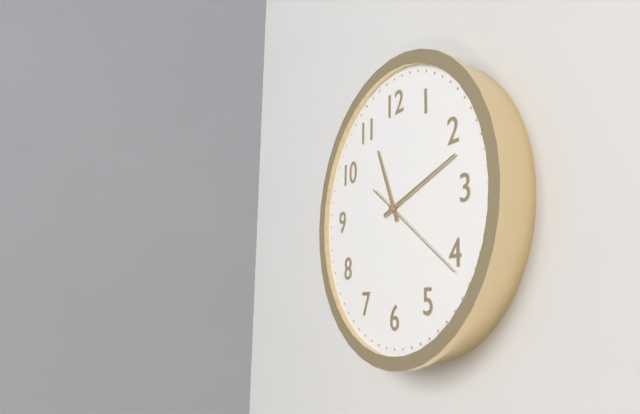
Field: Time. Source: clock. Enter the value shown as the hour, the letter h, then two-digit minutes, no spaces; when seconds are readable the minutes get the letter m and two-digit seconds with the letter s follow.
11h12m21s
